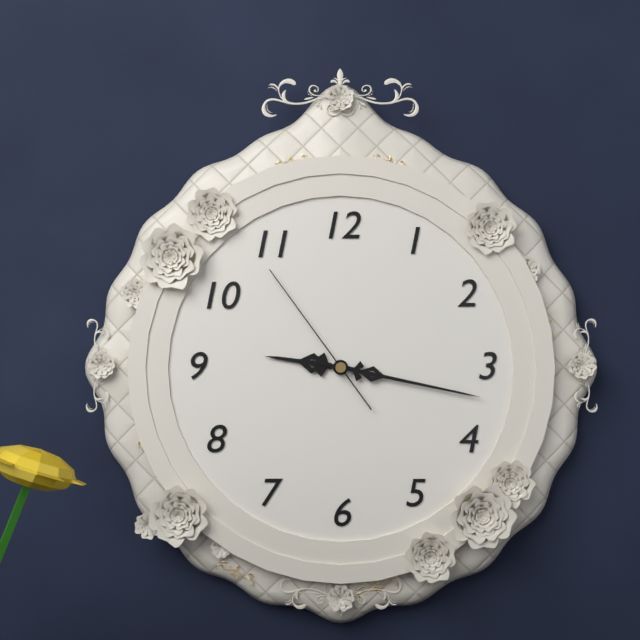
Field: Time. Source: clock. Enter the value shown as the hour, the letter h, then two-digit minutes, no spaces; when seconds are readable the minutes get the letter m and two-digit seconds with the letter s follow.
9h17m54s
